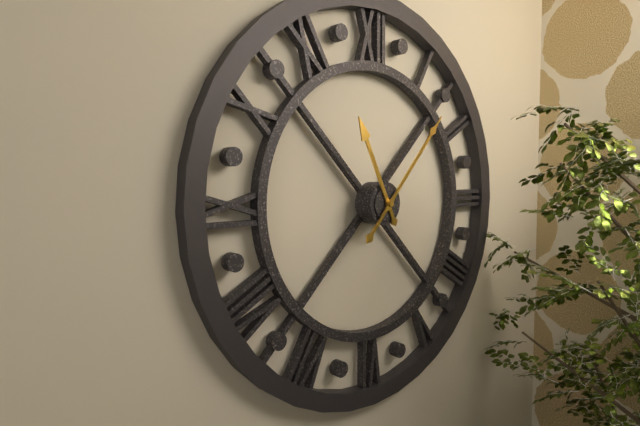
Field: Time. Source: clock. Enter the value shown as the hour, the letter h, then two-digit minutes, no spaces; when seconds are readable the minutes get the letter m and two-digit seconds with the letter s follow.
11h07
